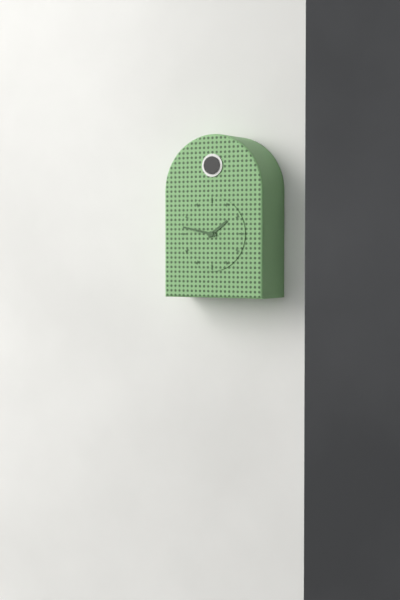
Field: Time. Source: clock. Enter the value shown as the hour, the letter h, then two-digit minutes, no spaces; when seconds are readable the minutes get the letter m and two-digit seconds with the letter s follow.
1h47
